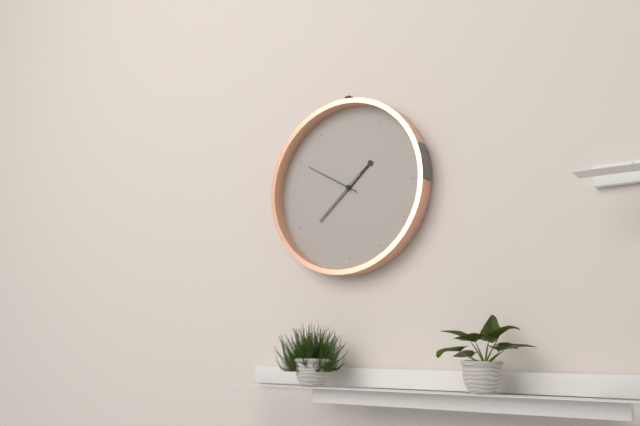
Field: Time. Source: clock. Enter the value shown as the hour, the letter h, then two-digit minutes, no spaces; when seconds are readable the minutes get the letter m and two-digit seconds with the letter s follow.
1h38m50s
